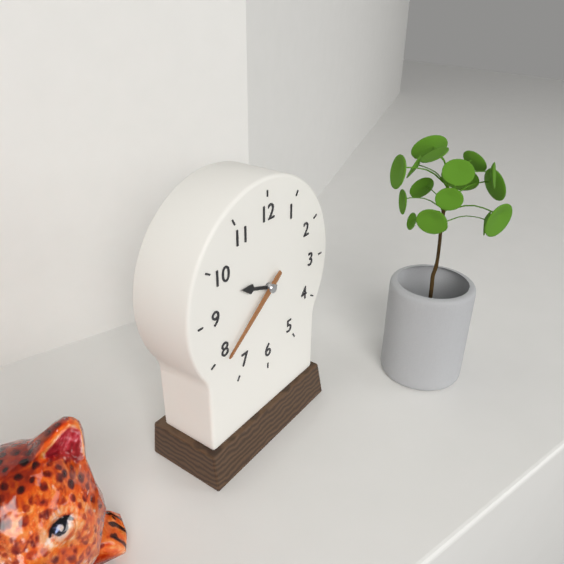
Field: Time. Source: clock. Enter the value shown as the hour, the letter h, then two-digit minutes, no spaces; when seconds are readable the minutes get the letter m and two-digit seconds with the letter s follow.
9h39
